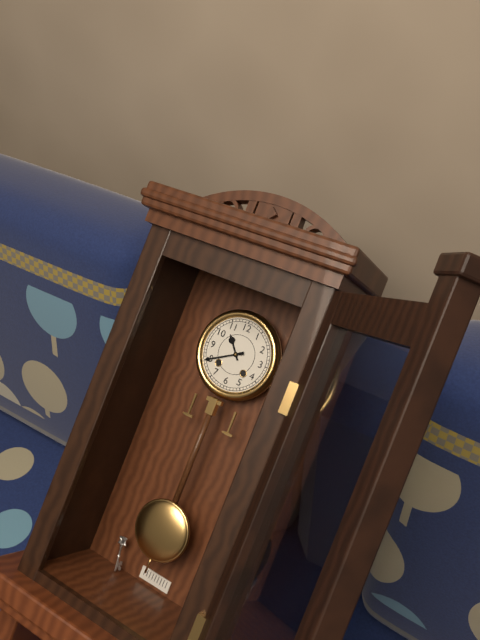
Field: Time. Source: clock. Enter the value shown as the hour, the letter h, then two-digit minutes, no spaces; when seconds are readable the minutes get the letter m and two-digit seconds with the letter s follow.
10h40
